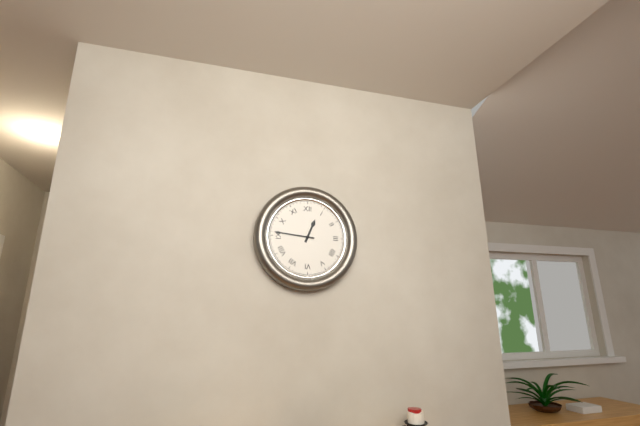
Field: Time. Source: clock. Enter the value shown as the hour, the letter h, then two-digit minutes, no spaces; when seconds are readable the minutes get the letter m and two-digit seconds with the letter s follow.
12h46
